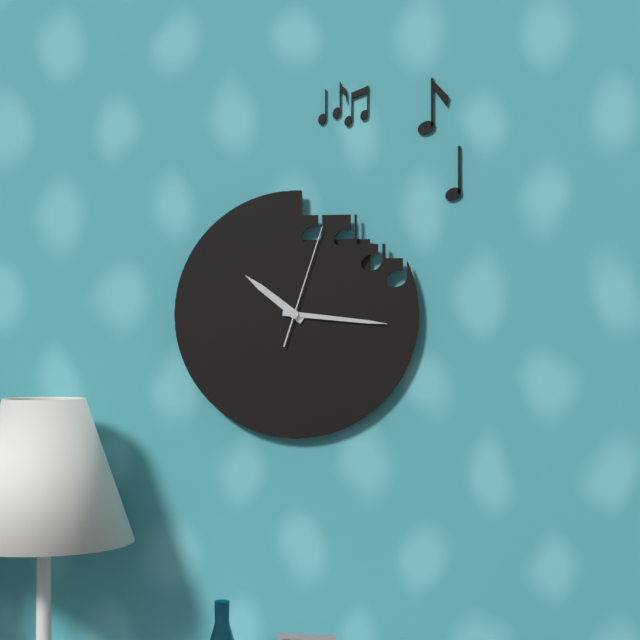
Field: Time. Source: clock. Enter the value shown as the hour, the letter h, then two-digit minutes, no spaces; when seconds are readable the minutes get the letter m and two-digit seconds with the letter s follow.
10h16m03s
